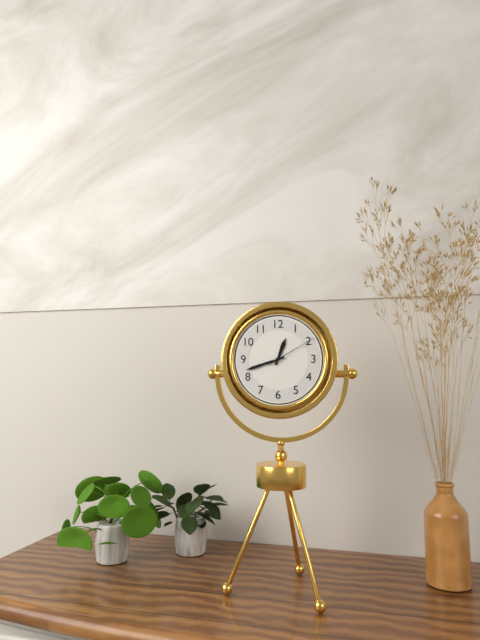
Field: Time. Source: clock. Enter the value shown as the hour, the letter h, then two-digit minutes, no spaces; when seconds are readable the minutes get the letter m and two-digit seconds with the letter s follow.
12h42m10s
